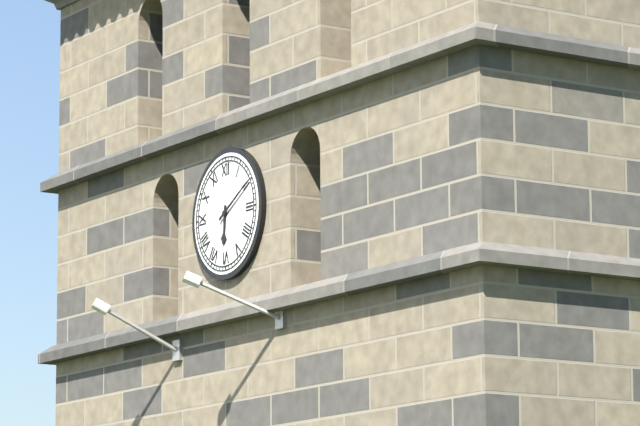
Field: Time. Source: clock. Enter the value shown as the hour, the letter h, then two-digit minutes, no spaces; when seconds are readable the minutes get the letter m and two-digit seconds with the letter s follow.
6h10
